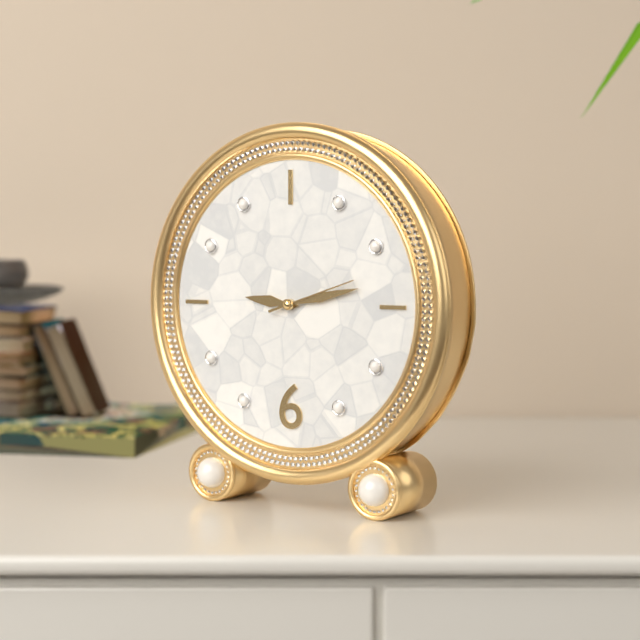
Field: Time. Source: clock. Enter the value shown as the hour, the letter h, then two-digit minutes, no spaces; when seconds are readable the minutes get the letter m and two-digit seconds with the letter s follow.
9h13m12s
